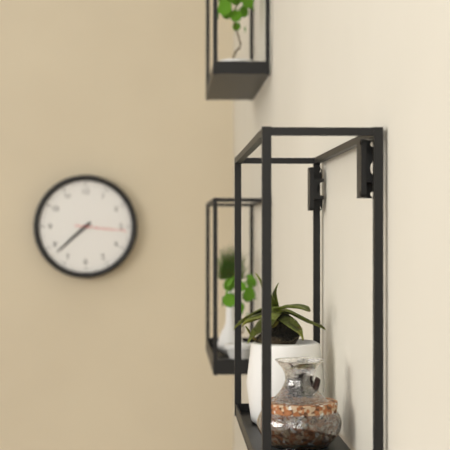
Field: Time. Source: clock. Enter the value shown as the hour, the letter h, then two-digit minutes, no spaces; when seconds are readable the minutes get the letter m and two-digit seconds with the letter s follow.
7h38m16s
